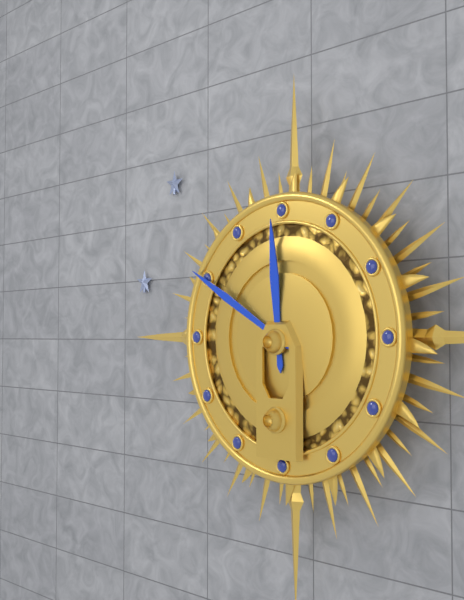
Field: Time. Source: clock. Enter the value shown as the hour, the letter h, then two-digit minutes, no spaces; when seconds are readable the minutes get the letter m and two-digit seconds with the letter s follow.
11h50
